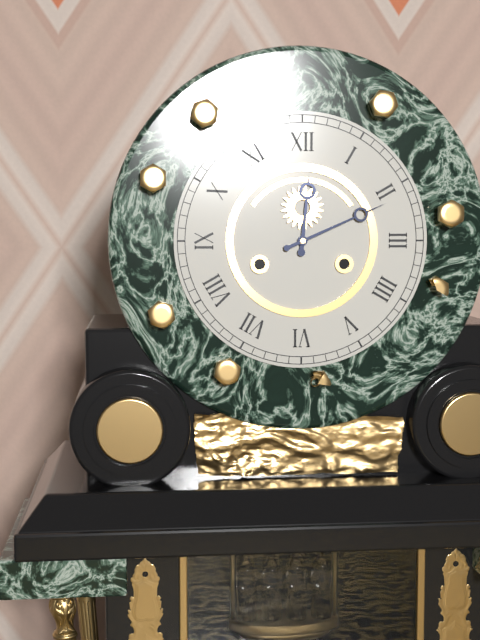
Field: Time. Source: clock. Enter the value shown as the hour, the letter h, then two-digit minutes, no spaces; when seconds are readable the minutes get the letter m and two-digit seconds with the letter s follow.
12h11
